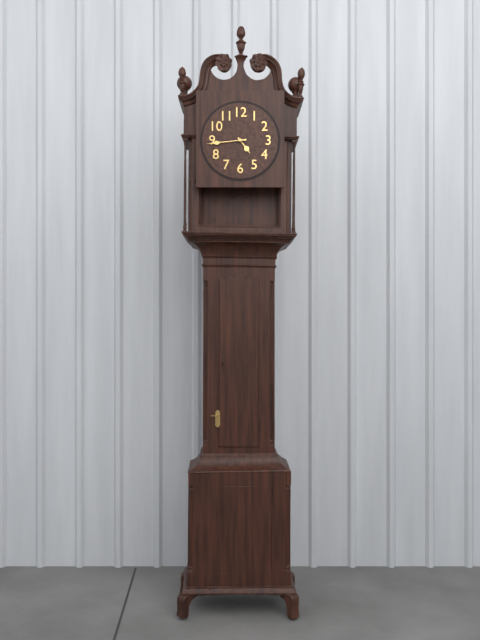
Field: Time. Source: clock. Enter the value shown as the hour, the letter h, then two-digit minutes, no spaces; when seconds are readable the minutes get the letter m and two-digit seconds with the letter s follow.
4h44
